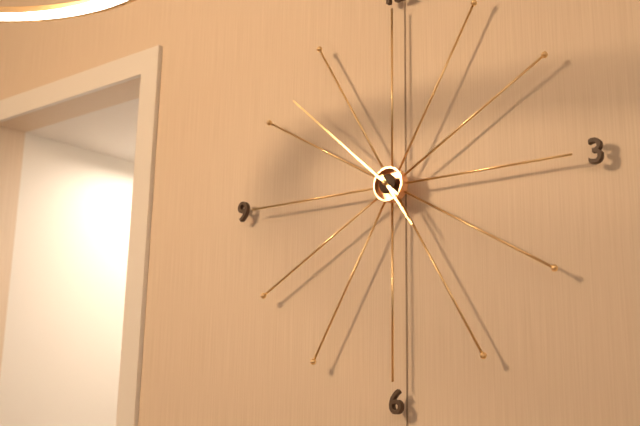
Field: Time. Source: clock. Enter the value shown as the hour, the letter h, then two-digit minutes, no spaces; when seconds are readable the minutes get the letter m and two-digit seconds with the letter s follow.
4h52
